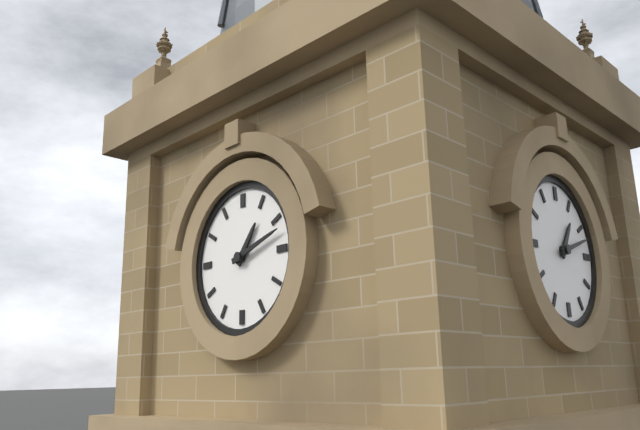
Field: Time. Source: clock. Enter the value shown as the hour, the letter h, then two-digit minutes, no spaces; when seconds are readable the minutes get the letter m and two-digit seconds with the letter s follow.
1h12
